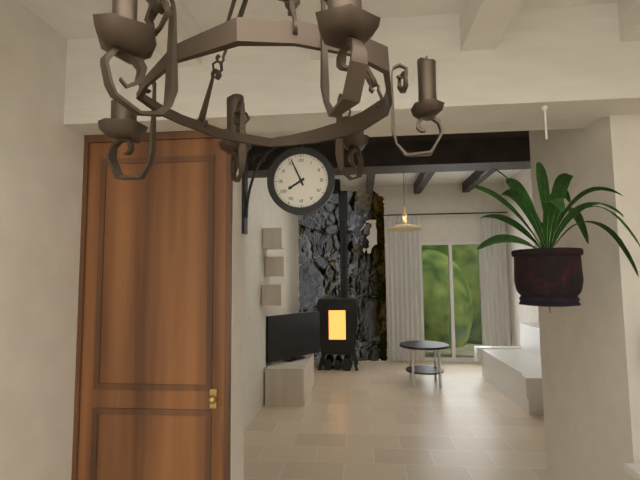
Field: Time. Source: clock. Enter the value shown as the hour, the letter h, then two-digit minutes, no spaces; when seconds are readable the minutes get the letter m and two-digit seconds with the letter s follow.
7h56
